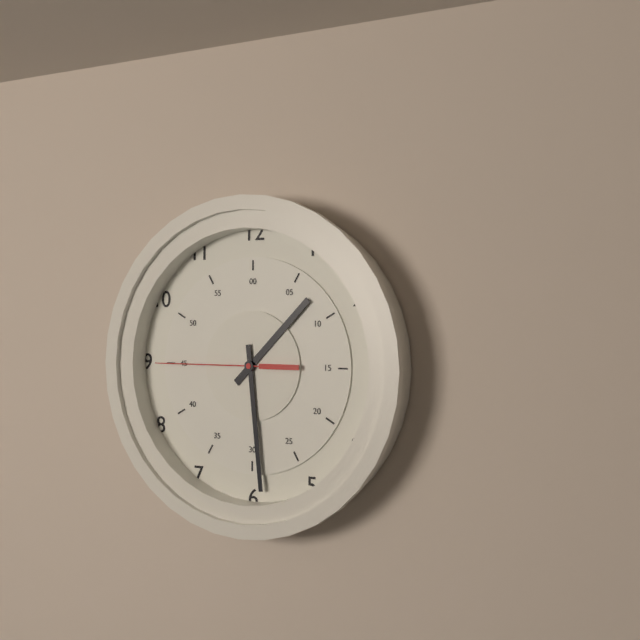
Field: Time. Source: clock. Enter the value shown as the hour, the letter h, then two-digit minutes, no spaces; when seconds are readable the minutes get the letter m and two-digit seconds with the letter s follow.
1h29m45s
